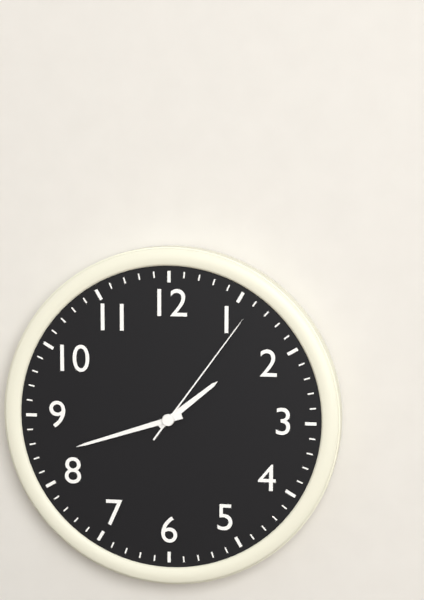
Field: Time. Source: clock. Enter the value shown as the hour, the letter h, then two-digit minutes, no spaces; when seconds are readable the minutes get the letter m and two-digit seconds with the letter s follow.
1h42m06s
